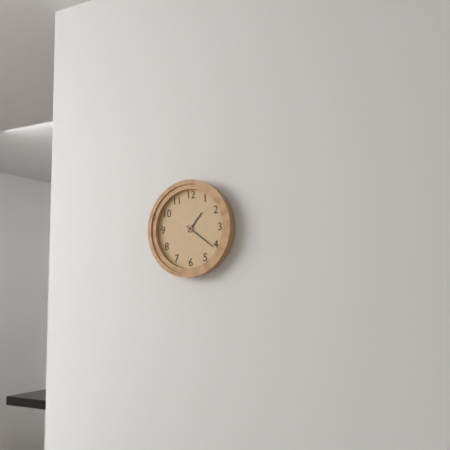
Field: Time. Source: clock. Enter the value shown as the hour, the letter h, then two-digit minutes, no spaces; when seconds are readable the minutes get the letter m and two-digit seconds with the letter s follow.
1h21
